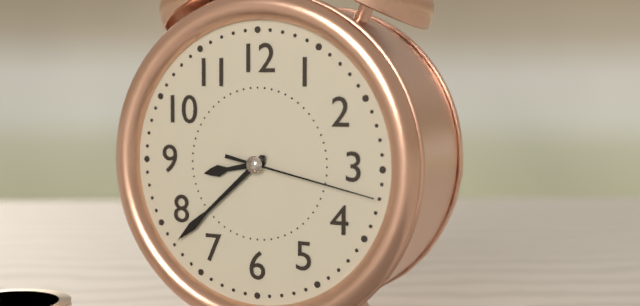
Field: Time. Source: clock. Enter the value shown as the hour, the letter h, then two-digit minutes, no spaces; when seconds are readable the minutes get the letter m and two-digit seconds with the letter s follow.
8h38m17s
